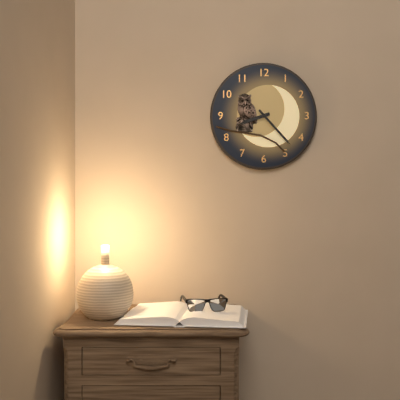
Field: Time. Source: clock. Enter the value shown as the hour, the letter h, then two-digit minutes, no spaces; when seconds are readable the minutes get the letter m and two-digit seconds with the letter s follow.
8h23
